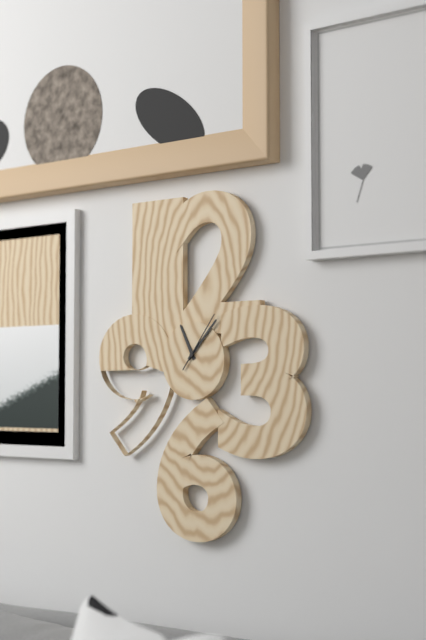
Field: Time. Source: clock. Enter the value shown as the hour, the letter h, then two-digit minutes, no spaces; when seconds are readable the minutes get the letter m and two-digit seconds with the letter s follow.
11h07m06s
